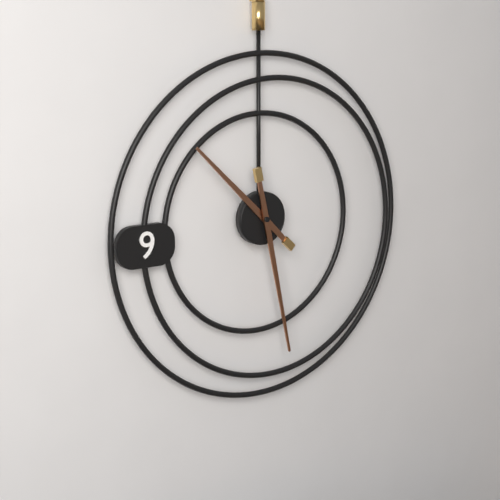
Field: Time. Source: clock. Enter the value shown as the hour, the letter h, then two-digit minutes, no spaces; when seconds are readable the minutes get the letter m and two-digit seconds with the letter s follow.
10h28
